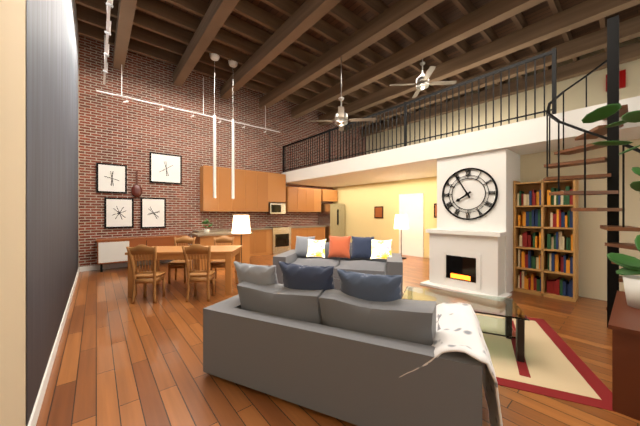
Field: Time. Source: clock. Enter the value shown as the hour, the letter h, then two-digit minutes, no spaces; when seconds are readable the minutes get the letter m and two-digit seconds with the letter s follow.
7h55
